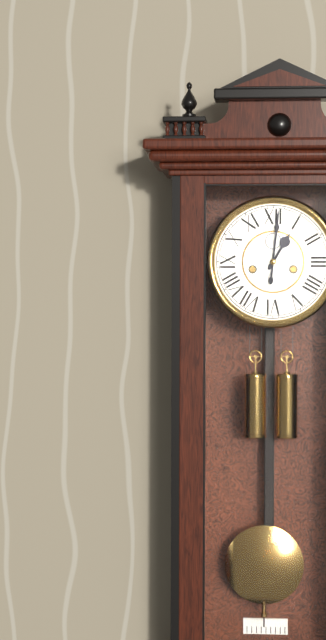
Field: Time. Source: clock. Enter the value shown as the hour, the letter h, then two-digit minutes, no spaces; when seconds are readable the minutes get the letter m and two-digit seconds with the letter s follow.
1h01
